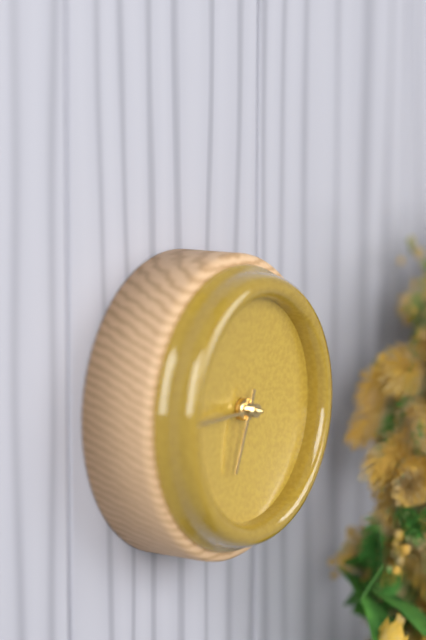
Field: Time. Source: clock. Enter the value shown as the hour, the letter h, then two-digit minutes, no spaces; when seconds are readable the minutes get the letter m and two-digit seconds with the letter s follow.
6h45
